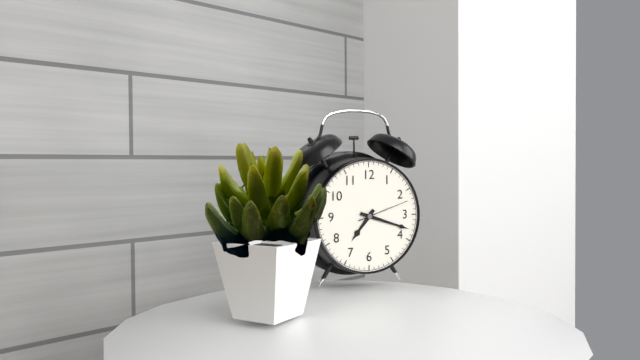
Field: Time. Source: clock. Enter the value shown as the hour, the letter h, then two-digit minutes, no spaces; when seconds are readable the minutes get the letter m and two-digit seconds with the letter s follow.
7h18m12s
